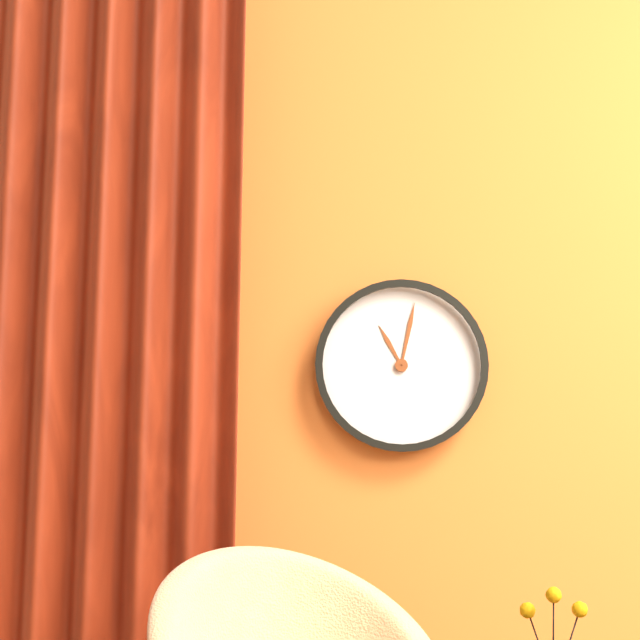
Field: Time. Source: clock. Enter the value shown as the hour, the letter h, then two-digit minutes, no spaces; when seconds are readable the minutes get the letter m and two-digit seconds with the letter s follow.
11h02
